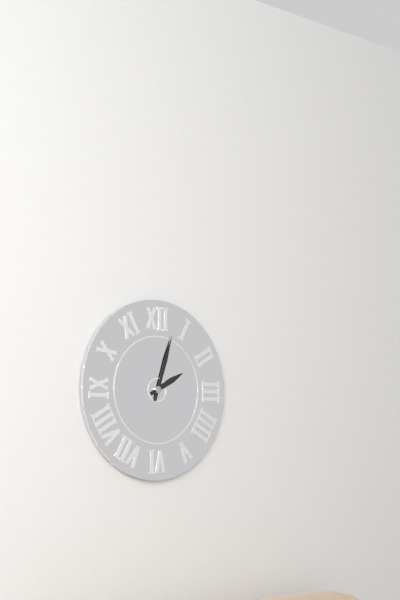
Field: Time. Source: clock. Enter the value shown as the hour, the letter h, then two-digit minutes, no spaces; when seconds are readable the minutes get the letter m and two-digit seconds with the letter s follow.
2h03
